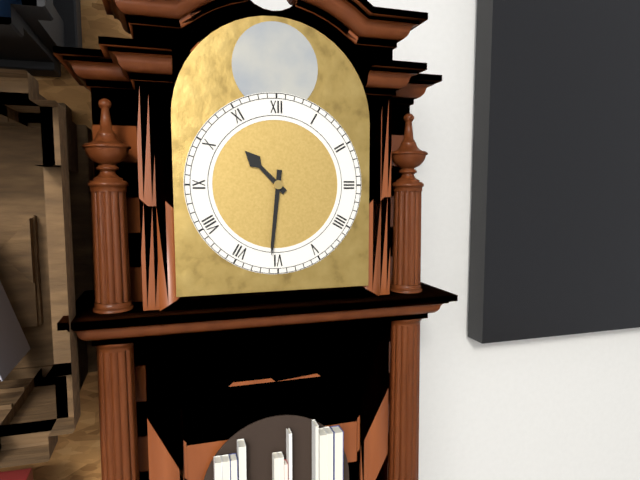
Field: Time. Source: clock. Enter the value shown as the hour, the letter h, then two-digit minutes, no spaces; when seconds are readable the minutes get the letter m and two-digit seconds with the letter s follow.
10h31
